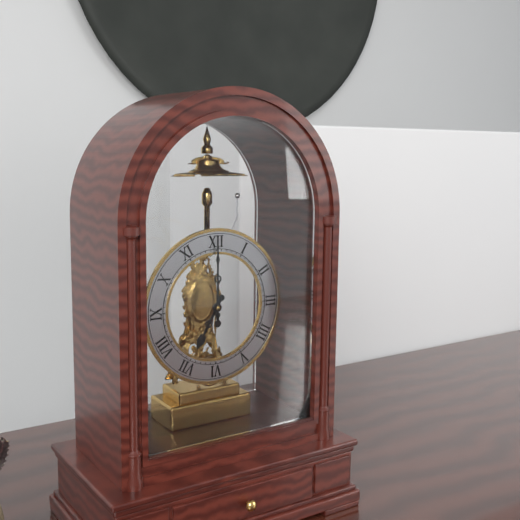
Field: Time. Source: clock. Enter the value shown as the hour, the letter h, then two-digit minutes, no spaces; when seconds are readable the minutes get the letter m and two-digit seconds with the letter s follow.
7h00
